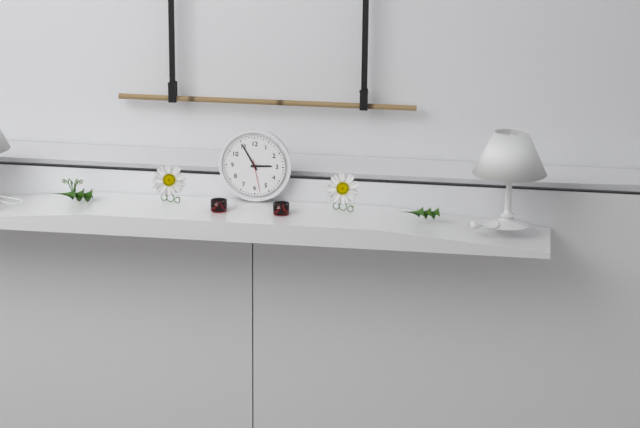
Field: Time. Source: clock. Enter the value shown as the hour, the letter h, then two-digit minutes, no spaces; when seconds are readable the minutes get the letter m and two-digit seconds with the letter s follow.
2h55
